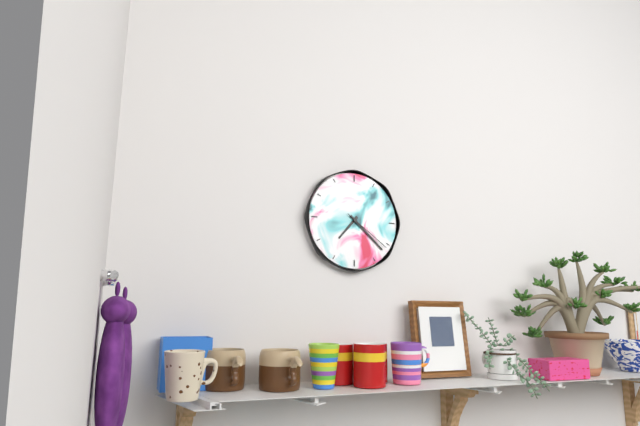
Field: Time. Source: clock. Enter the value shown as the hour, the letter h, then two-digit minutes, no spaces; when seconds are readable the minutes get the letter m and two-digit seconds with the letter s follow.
7h22m21s
